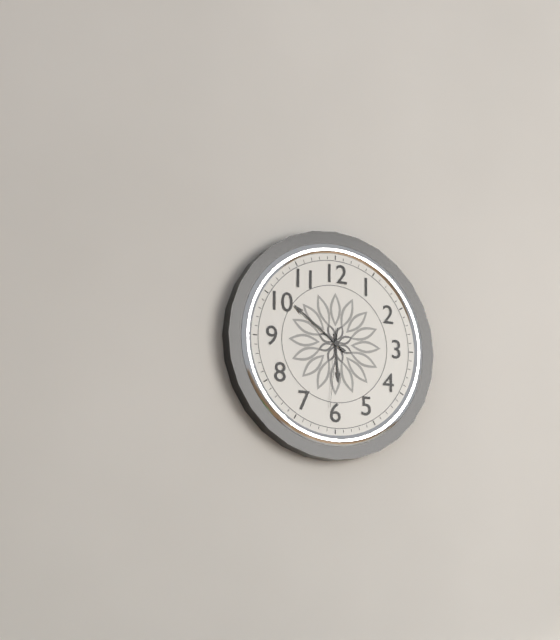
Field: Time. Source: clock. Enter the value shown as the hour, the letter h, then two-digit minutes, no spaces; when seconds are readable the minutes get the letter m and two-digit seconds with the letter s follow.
5h51m31s
